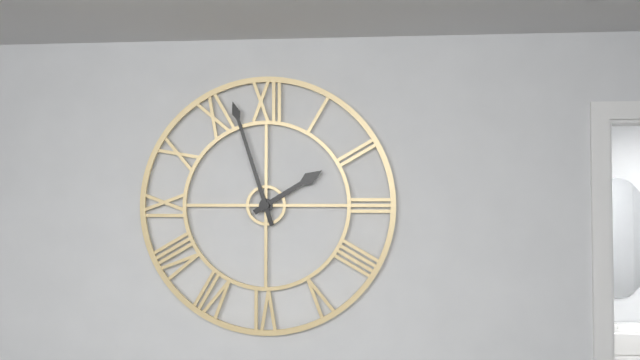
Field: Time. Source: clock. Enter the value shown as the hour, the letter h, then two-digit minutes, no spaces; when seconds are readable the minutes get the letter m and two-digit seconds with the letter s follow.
1h57
